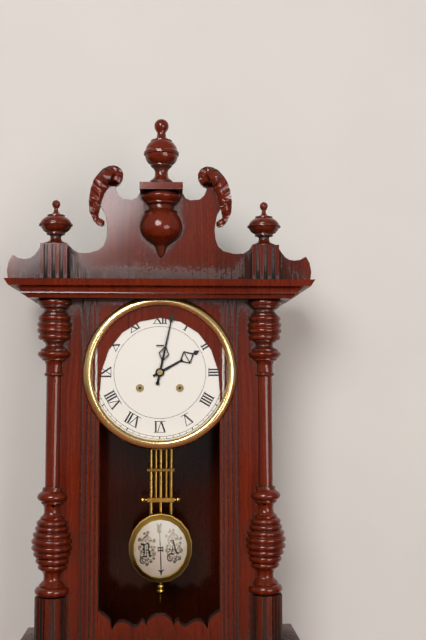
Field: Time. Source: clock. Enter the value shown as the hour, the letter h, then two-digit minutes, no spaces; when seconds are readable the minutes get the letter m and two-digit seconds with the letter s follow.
2h02
